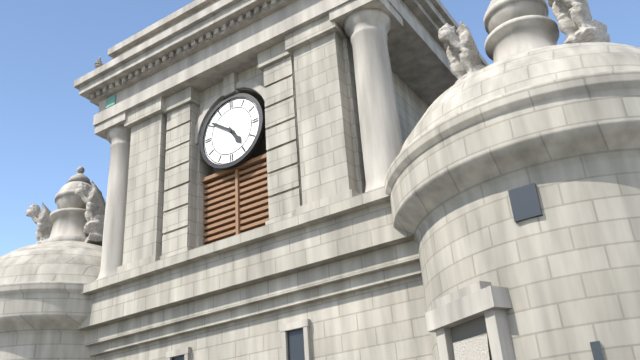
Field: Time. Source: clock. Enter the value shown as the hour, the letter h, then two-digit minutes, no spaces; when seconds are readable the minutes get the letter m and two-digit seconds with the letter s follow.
4h51
